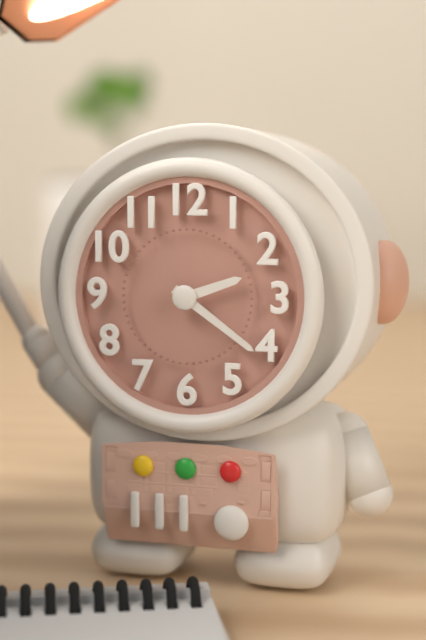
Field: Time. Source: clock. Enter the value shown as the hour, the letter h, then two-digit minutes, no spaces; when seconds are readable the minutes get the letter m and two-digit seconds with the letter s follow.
2h21
